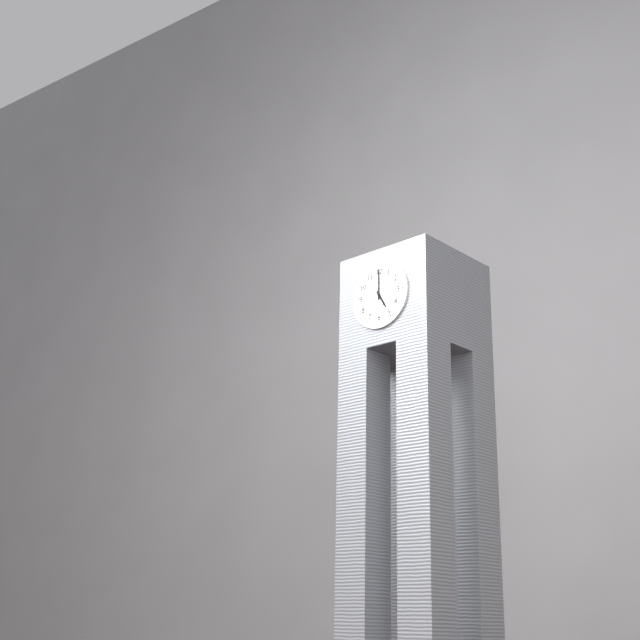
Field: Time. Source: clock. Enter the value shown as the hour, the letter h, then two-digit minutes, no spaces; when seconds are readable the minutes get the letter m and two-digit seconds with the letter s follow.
5h00
